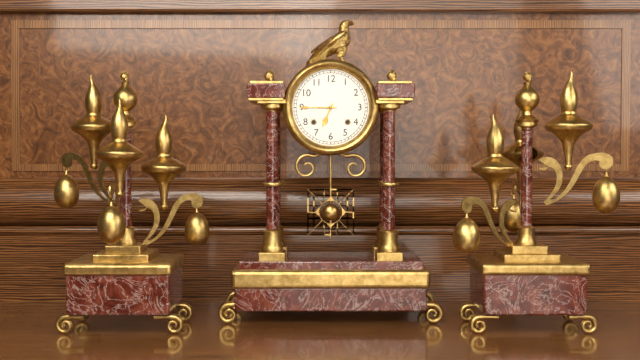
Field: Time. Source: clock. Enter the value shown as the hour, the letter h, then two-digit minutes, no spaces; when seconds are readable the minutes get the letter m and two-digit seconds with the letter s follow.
6h45
